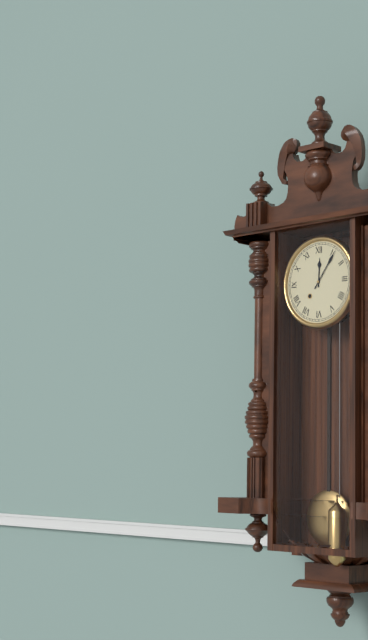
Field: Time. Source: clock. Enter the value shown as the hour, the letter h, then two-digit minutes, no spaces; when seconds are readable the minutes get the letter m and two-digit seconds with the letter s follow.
12h06
